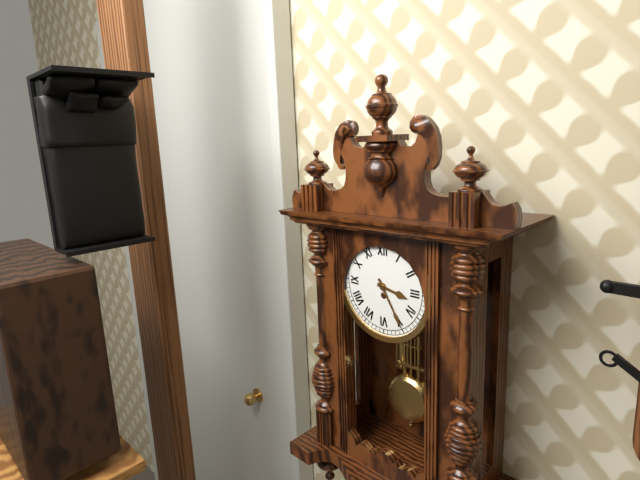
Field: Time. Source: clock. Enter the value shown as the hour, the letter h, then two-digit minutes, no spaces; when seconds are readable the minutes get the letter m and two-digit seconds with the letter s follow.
3h25
